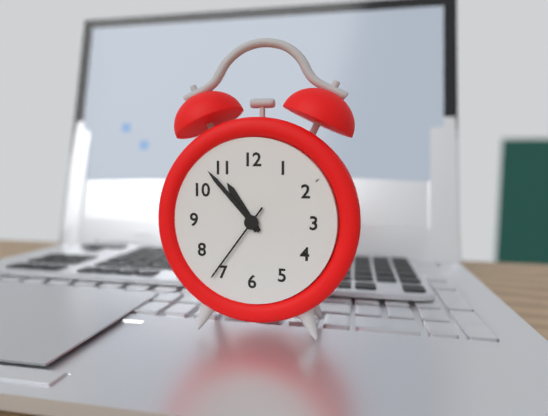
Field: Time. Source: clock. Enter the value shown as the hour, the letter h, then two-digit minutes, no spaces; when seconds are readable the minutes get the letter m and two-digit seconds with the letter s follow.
10h53m36s
